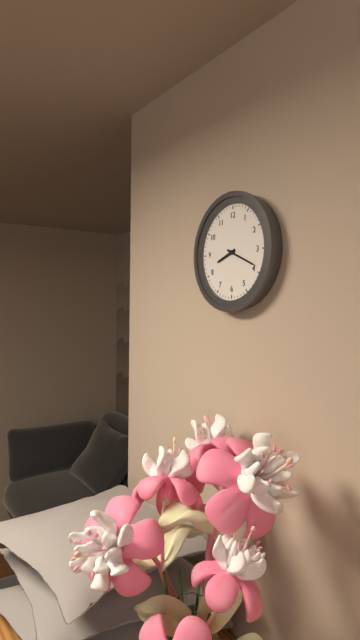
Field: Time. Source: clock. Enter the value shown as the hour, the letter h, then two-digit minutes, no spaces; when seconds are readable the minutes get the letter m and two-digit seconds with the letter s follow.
8h19
